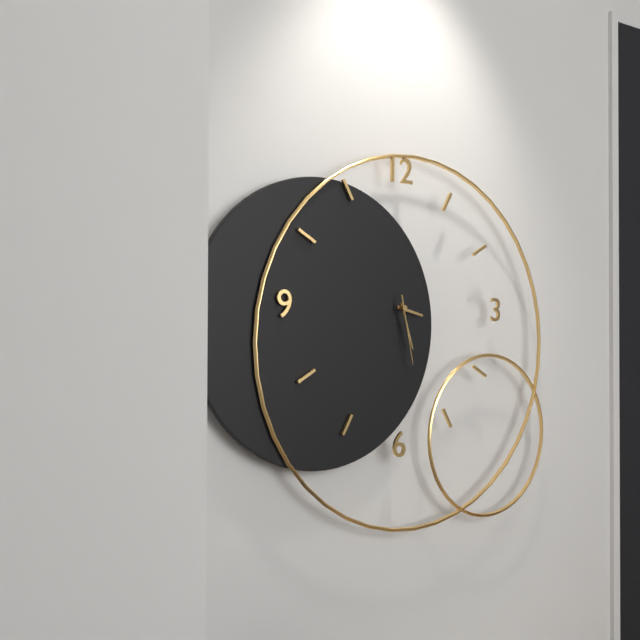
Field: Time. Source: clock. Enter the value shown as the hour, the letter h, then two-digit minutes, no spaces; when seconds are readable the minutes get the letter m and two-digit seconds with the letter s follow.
3h27m28s
